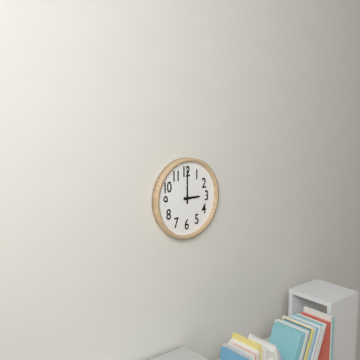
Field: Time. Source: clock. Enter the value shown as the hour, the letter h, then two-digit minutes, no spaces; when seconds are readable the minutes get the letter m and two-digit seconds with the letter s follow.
3h00
